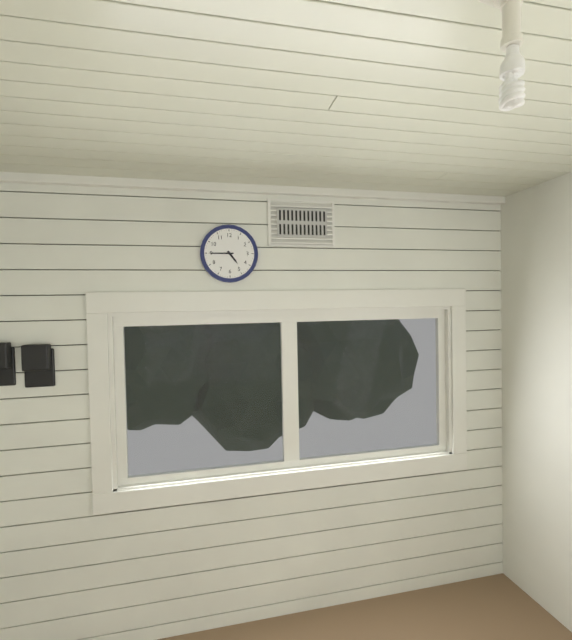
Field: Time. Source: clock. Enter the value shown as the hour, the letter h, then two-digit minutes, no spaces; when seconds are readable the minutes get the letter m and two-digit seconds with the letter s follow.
4h45
